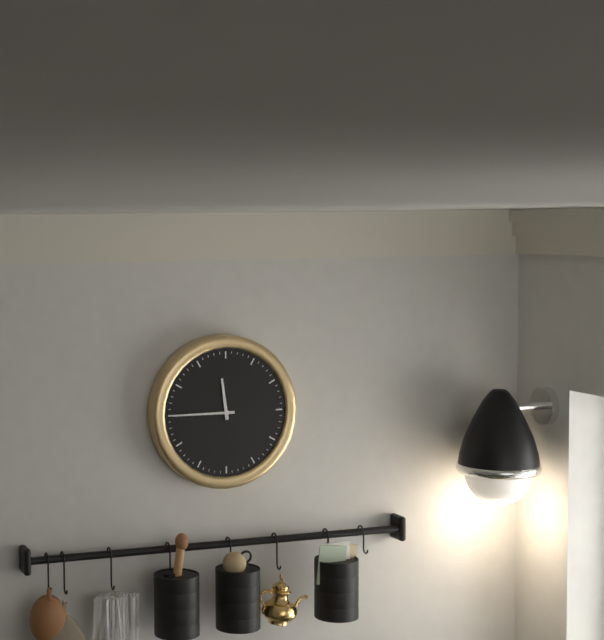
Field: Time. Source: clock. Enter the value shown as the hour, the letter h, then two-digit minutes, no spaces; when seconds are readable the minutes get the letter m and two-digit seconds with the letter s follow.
11h45
